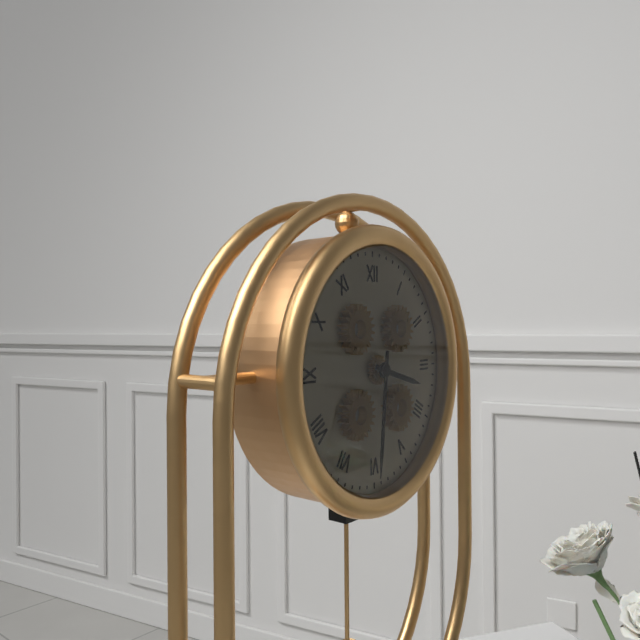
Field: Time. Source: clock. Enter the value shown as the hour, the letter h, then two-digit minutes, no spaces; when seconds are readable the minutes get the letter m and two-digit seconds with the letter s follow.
3h31
